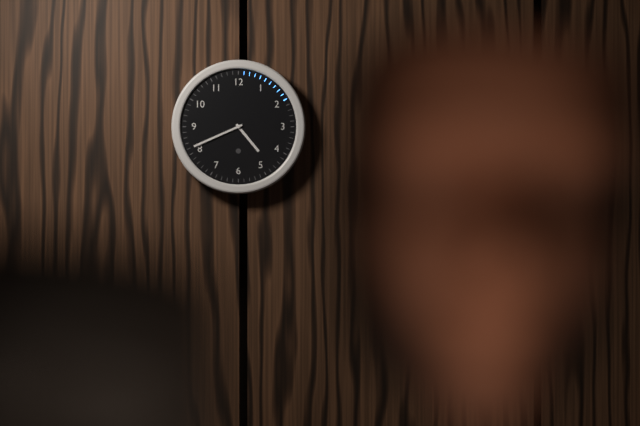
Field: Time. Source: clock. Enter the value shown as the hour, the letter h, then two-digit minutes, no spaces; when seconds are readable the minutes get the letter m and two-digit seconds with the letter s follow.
4h41
